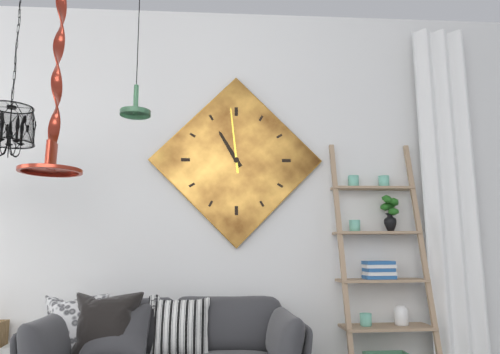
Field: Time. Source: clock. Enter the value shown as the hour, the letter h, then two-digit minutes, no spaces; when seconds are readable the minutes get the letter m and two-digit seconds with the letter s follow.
10h59
